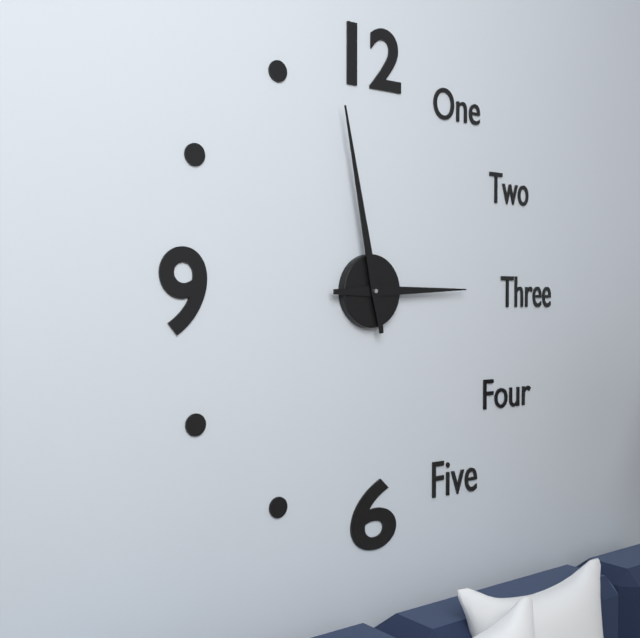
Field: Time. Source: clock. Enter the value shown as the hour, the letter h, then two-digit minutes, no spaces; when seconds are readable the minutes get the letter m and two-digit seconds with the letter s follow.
2h58
